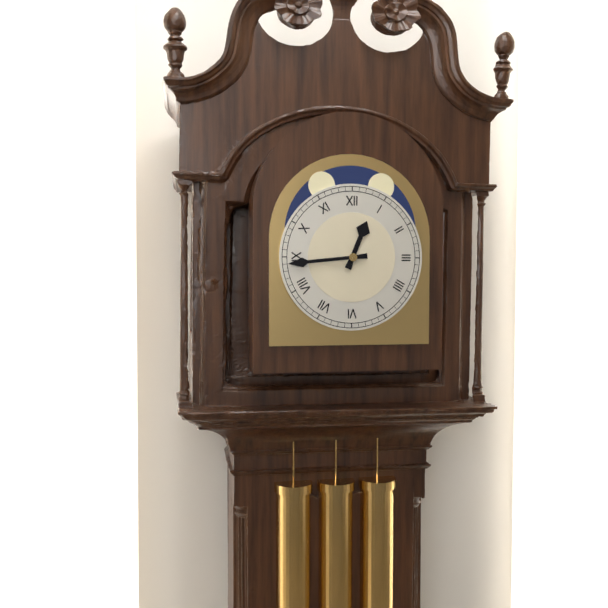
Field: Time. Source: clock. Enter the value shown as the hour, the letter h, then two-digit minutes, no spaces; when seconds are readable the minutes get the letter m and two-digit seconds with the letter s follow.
12h44
